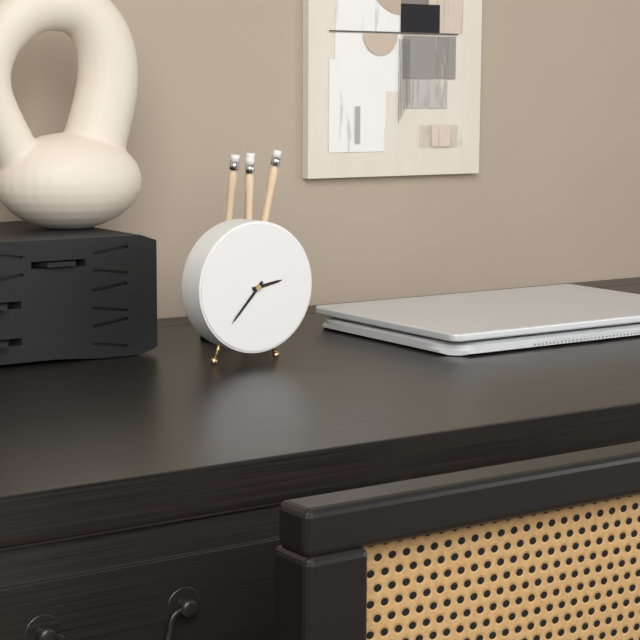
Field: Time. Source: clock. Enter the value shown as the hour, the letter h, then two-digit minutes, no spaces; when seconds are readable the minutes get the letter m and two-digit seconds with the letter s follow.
2h37
